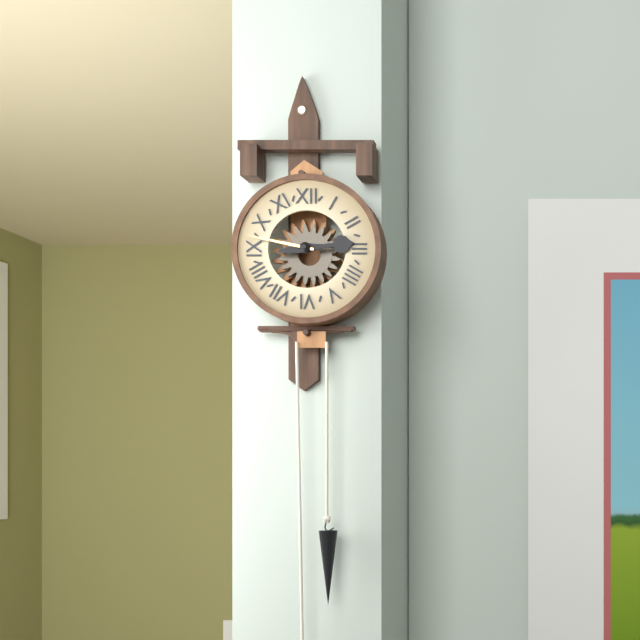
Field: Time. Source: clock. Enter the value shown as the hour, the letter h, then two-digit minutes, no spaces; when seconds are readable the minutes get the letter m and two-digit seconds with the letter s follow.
2h47
